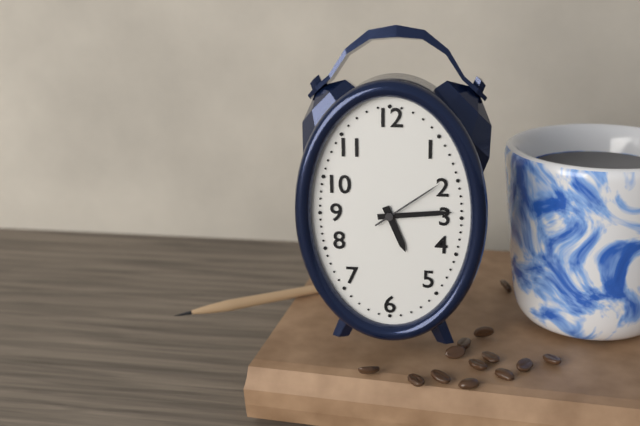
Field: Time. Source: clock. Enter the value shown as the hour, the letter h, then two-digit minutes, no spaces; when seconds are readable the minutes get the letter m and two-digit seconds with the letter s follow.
5h14m09s
